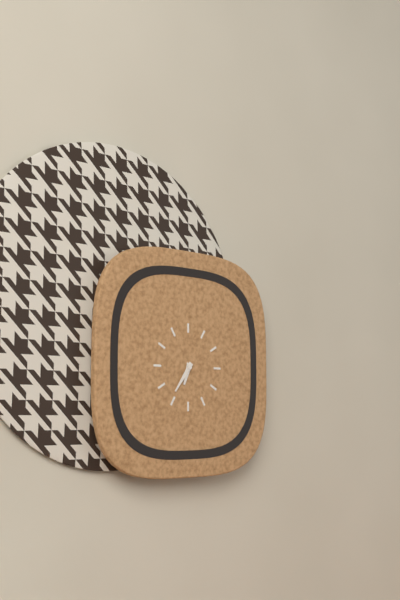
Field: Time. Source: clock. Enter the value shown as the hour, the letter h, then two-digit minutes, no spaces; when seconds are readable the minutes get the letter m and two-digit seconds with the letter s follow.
6h36
